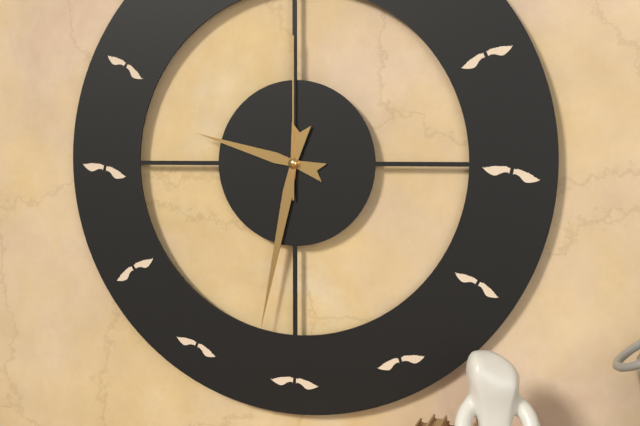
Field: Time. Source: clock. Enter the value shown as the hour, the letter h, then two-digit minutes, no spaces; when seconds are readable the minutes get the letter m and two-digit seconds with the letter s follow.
9h32m00s
